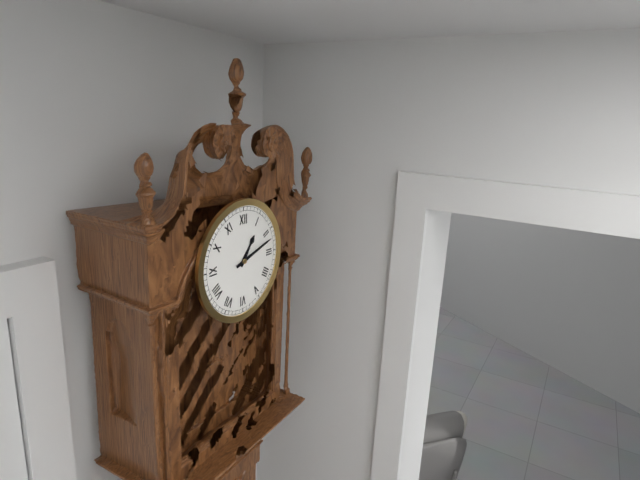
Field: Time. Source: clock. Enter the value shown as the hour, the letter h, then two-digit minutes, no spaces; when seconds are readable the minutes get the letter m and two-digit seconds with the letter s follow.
1h12
